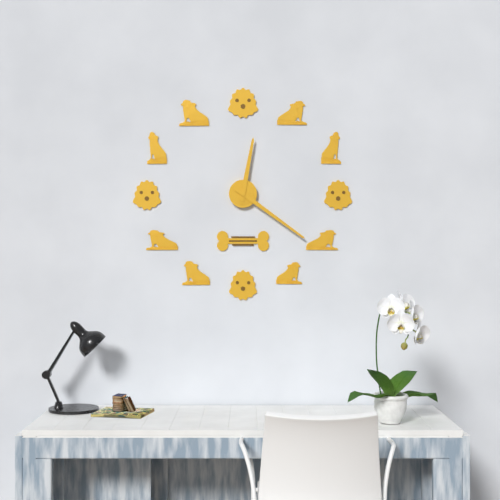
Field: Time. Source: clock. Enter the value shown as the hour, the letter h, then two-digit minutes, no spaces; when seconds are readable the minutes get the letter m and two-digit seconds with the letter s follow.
12h21
